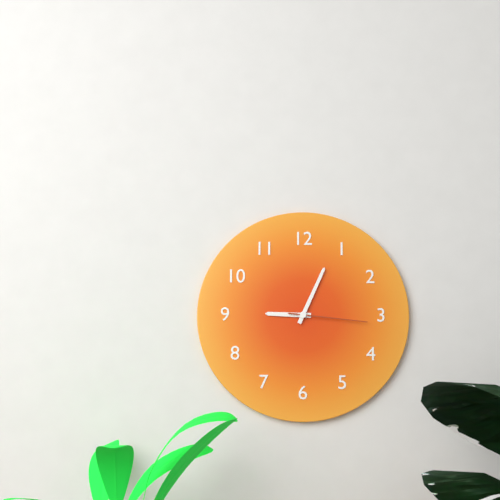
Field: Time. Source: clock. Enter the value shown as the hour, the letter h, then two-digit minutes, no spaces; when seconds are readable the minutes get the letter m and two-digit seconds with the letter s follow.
9h04m16s
